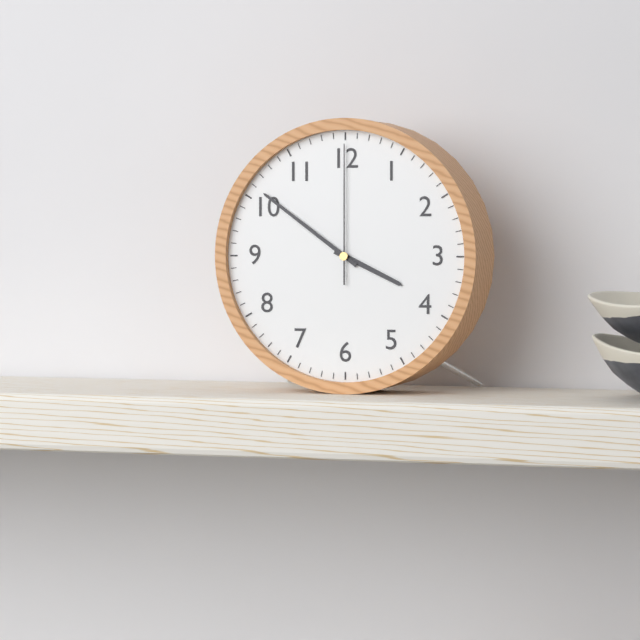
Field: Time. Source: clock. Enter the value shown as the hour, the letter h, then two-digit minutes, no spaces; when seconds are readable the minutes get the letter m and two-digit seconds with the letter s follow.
3h51m00s
